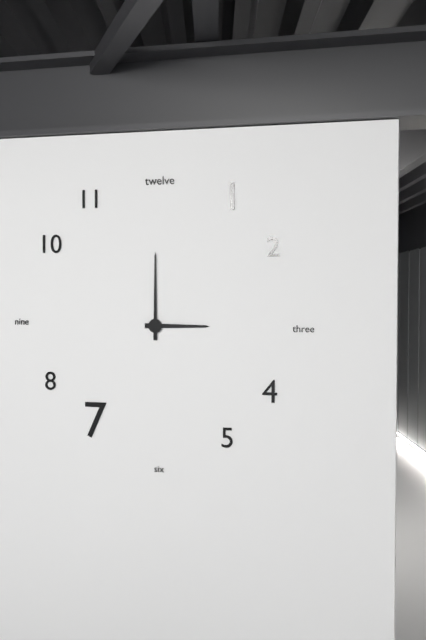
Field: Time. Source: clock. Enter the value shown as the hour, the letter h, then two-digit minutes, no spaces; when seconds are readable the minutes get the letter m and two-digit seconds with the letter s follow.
3h00
